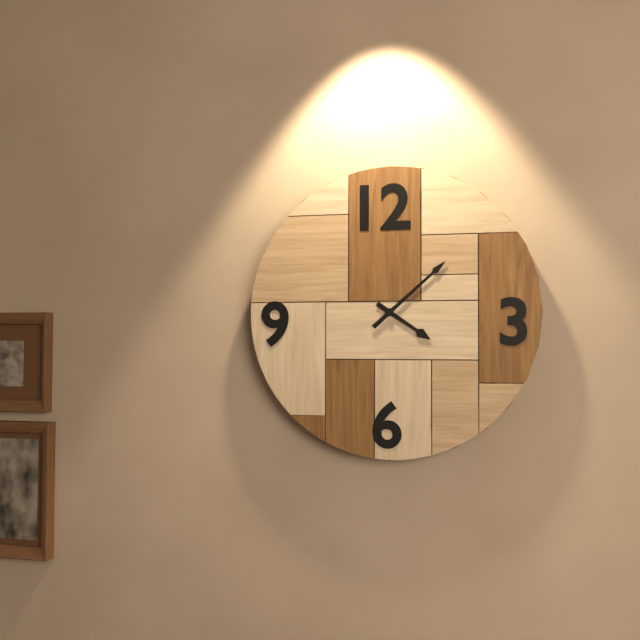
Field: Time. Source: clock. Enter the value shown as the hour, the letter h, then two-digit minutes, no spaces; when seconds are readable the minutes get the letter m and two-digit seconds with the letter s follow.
4h08
